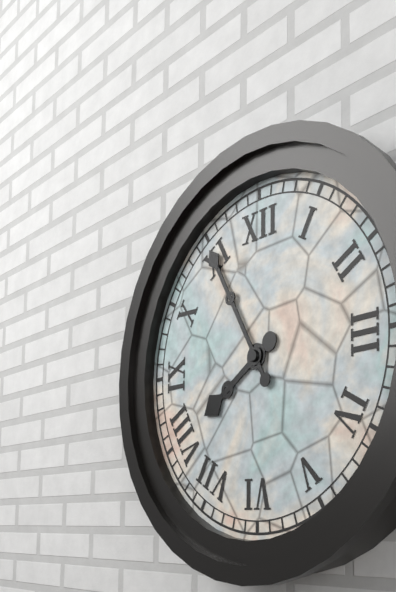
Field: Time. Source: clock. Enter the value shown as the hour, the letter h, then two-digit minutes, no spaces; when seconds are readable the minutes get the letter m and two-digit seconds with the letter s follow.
7h55
